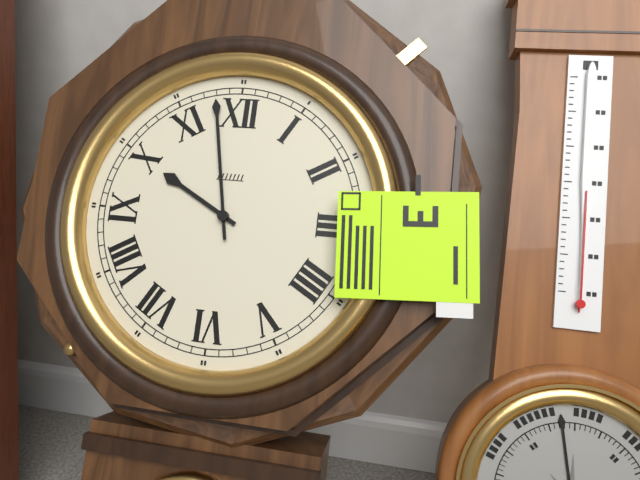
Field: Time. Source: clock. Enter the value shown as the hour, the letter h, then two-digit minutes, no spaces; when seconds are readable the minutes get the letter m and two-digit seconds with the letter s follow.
9h58
